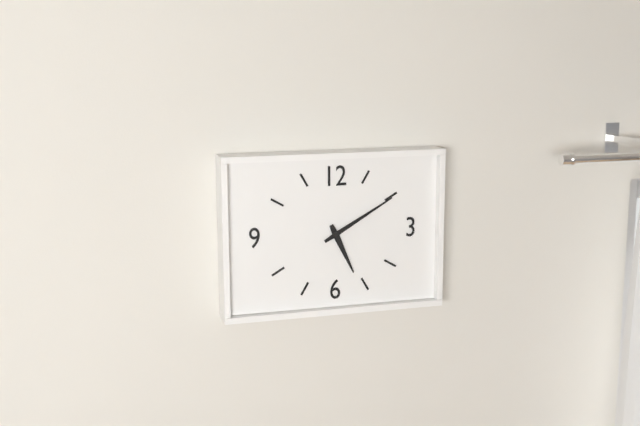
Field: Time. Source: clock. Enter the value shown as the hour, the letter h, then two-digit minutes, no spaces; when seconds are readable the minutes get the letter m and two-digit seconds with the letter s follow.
5h10
